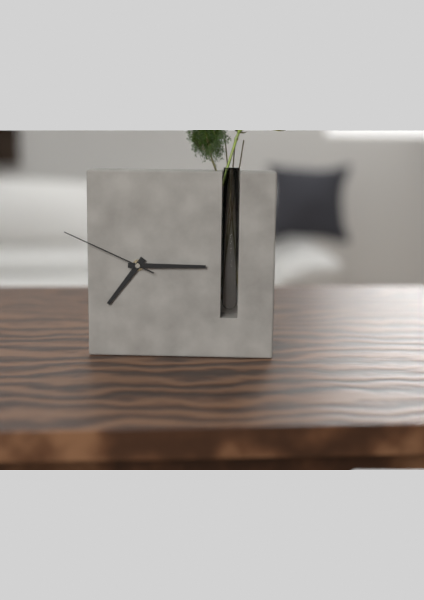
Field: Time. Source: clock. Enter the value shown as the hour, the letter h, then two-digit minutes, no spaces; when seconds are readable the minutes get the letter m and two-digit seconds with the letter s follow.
7h15m49s
